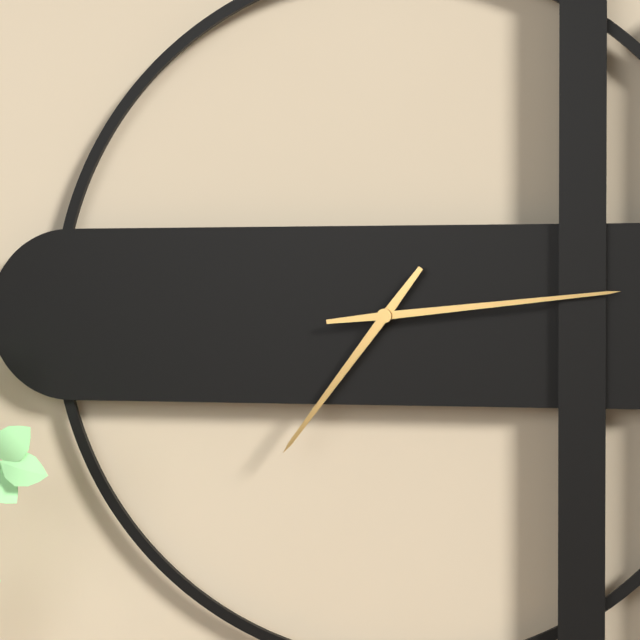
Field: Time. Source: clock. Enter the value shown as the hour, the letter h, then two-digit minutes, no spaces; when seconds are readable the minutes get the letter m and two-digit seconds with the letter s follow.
7h14
